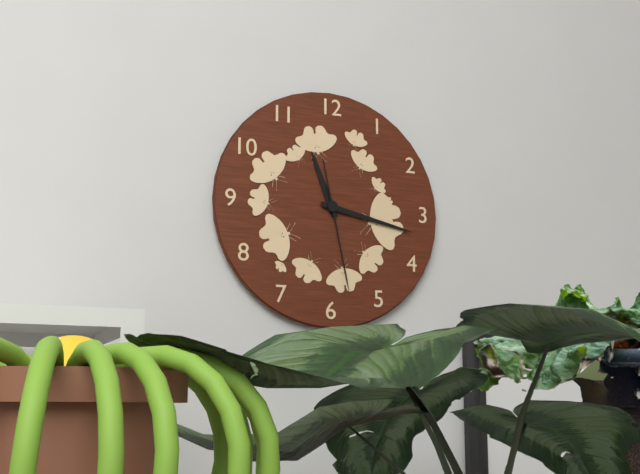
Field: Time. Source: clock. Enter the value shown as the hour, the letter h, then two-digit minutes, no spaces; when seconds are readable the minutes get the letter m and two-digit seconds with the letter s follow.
11h17m28s
